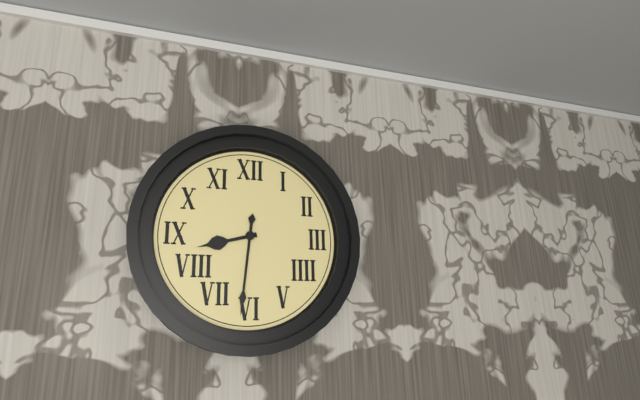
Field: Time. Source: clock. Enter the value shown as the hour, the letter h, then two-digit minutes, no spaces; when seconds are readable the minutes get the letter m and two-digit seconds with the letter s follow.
8h31
